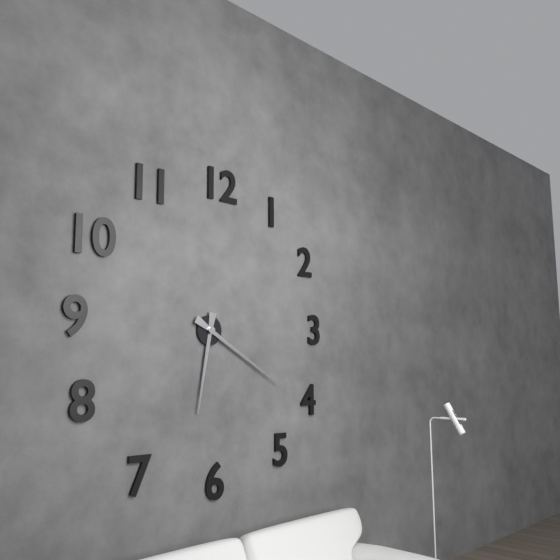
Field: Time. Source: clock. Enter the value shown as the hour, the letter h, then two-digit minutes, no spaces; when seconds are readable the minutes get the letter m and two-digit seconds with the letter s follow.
6h20
